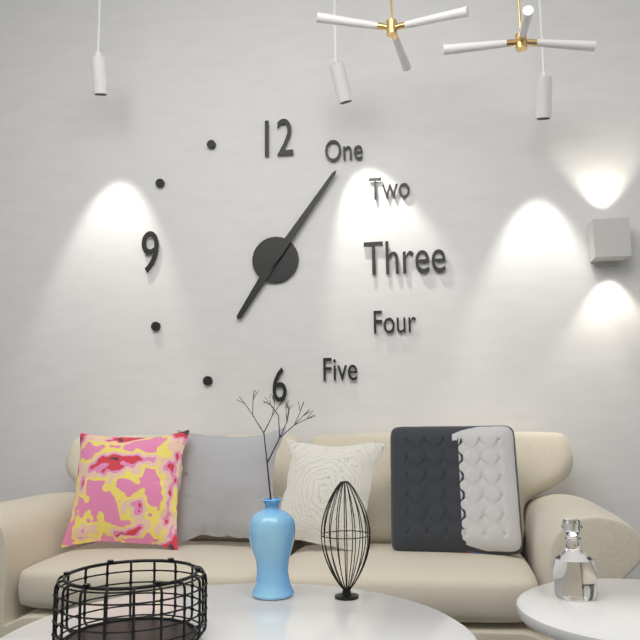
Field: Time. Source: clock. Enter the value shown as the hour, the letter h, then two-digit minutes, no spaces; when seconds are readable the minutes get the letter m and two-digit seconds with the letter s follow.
7h06
